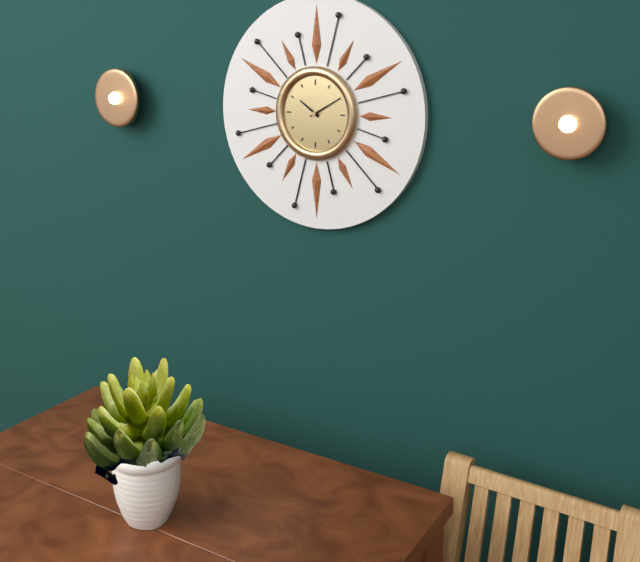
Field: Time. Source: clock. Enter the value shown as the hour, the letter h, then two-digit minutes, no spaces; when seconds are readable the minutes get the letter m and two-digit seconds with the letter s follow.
10h10
